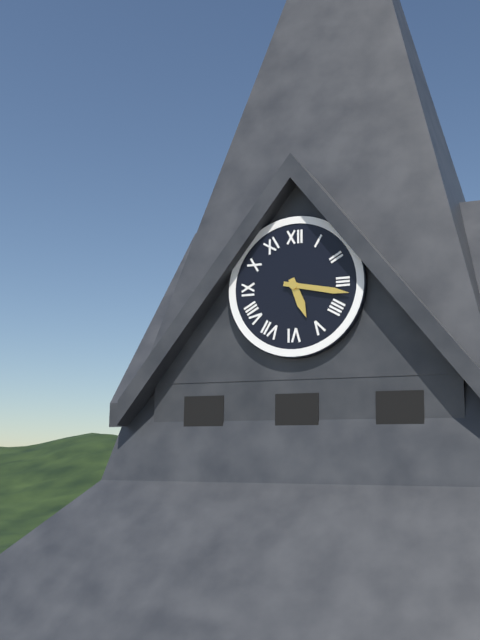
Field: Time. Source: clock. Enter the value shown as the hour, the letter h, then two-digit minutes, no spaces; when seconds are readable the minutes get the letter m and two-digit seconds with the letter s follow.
5h17
